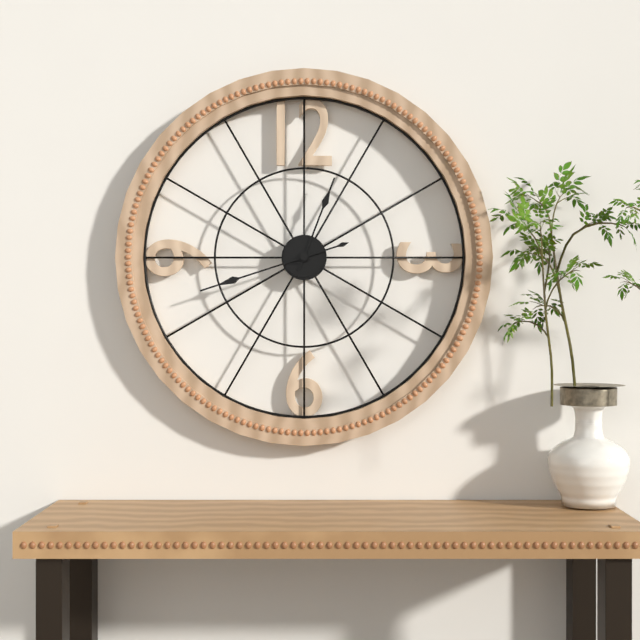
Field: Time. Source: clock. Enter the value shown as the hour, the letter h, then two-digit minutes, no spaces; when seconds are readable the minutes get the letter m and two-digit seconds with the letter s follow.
12h42
